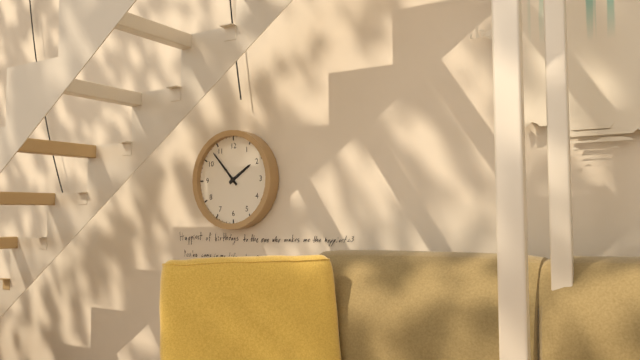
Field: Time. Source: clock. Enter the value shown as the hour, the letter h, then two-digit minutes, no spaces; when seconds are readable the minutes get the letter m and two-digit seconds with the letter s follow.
1h53
